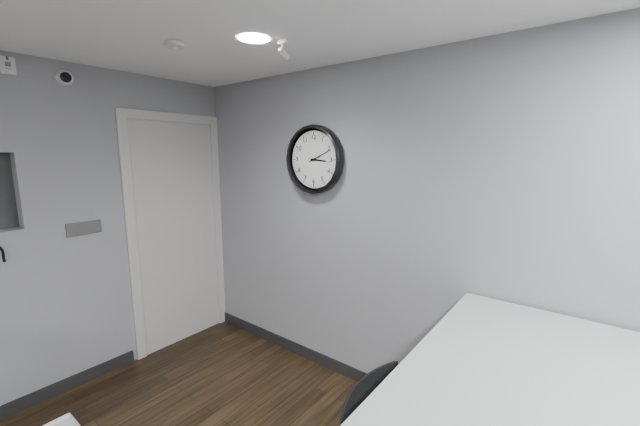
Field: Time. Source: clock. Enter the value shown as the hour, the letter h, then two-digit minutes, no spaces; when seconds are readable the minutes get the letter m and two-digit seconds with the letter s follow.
3h11
